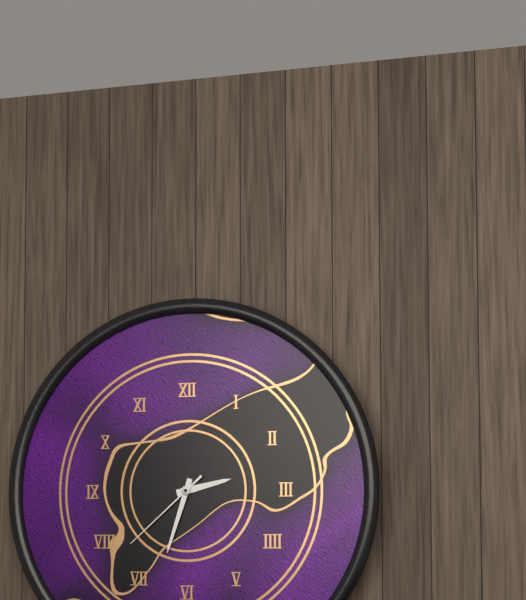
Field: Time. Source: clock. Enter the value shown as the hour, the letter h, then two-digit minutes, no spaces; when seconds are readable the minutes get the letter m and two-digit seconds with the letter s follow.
2h33m38s
